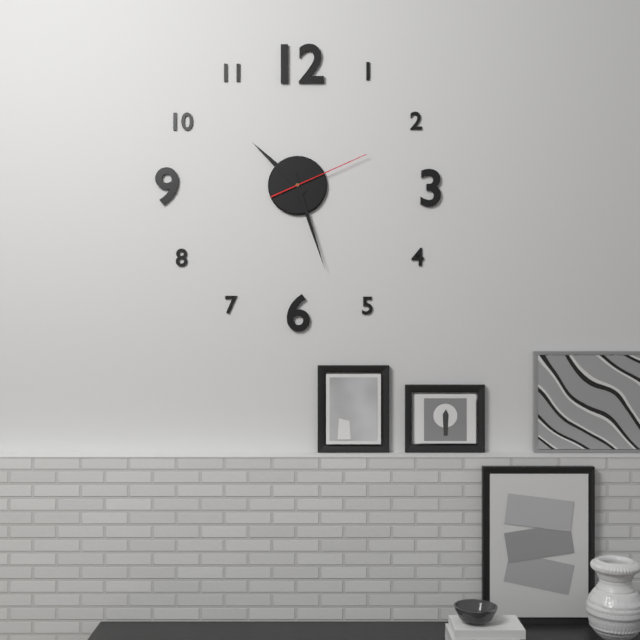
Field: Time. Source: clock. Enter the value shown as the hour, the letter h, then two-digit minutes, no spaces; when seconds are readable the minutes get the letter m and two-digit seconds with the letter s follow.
10h27m11s
